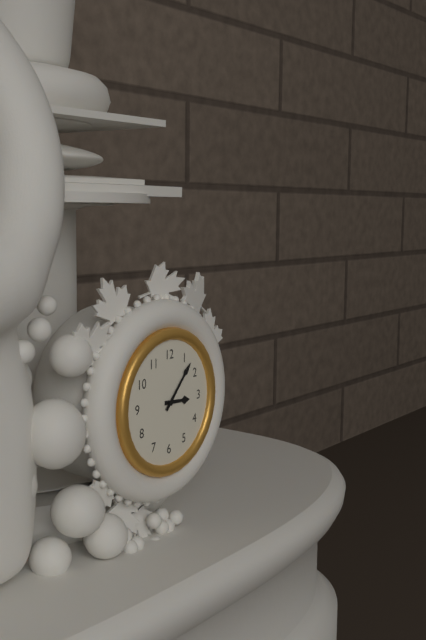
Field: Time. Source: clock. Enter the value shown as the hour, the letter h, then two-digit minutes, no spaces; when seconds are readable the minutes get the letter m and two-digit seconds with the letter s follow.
3h07
